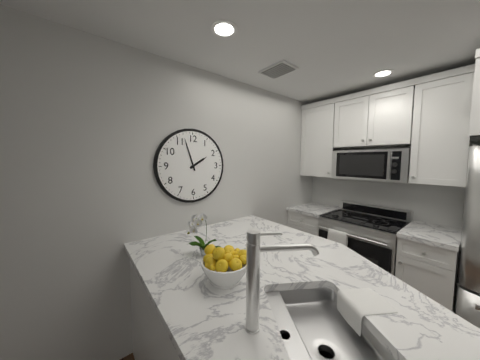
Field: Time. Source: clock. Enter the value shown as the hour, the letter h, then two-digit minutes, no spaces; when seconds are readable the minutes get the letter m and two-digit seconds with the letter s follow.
1h57
